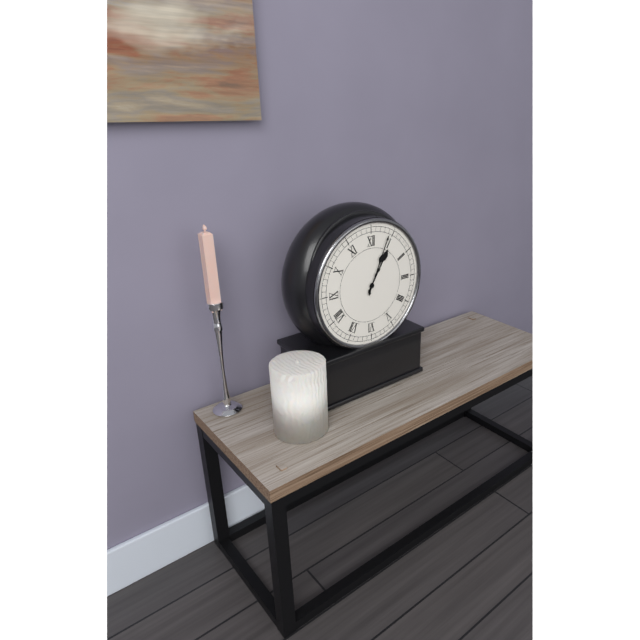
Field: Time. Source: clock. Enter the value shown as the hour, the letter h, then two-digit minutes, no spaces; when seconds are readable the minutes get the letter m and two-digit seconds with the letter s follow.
1h04
